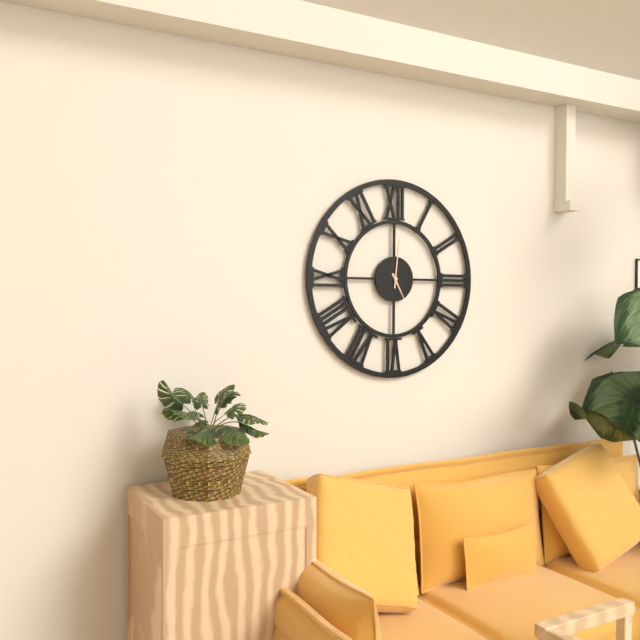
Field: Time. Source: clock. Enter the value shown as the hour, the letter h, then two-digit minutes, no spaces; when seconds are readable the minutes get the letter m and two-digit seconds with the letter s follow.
5h01
